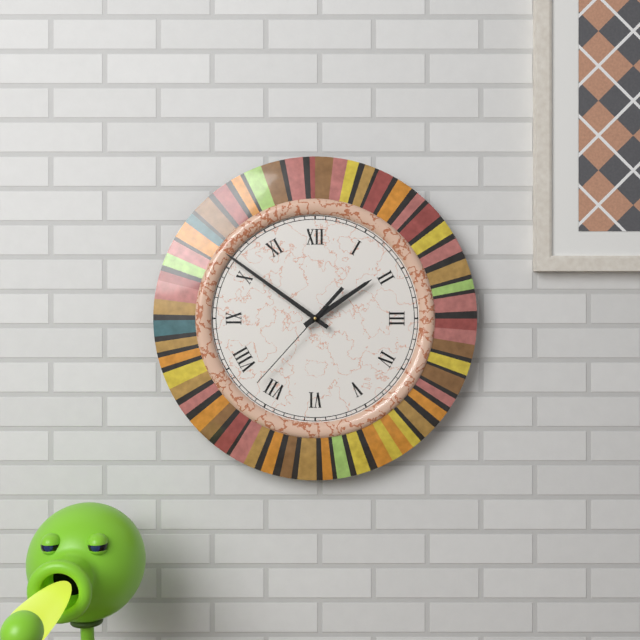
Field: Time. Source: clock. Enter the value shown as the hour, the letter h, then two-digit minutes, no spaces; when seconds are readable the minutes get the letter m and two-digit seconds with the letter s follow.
1h51m37s
